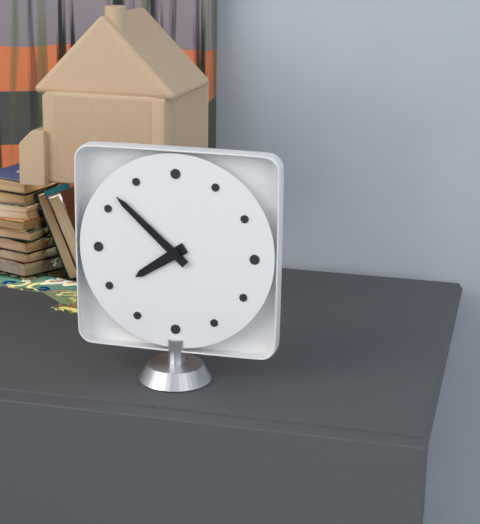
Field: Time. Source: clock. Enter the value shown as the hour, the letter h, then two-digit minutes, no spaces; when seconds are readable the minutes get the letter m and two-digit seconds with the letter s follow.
7h52
